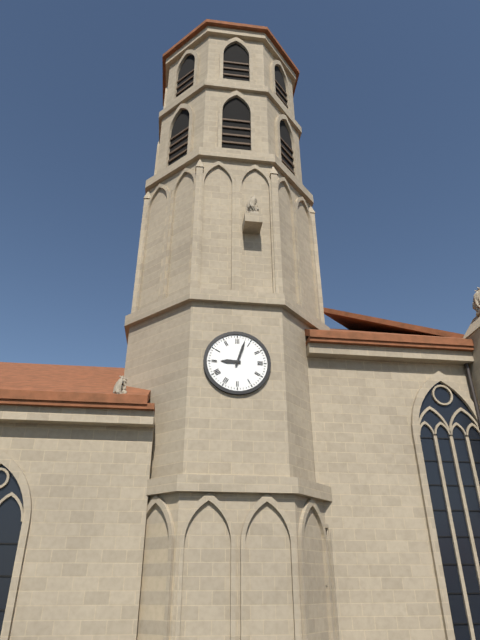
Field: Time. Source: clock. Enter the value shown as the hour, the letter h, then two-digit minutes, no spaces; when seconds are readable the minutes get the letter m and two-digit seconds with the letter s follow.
9h03
